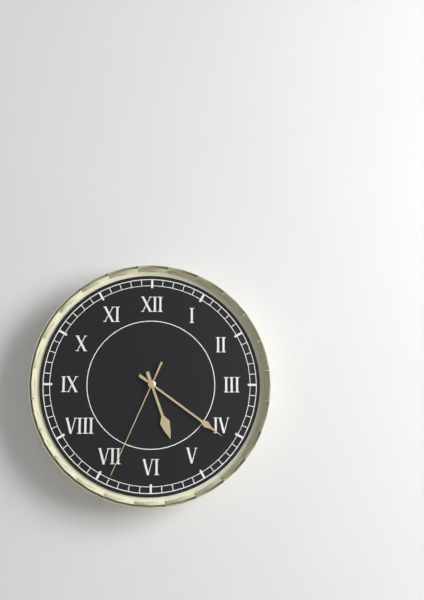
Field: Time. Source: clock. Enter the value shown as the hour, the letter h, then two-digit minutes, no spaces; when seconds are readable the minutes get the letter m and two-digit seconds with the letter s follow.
5h21m34s
